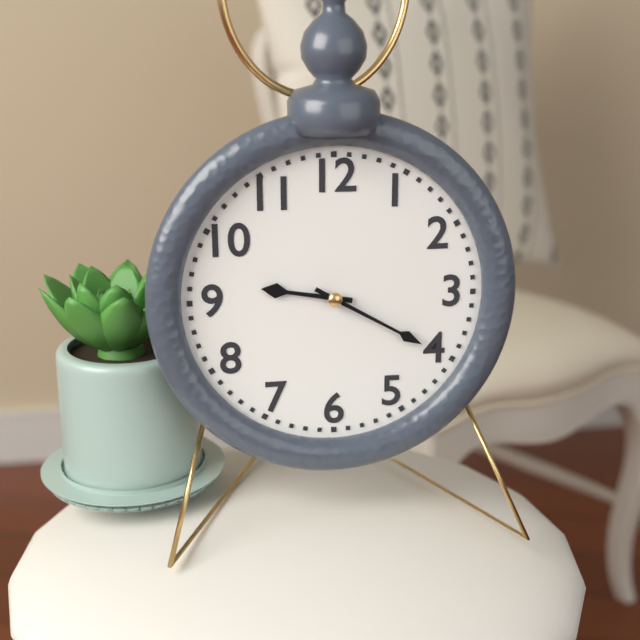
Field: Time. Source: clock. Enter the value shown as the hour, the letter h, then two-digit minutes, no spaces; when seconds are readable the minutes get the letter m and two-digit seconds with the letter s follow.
9h20
